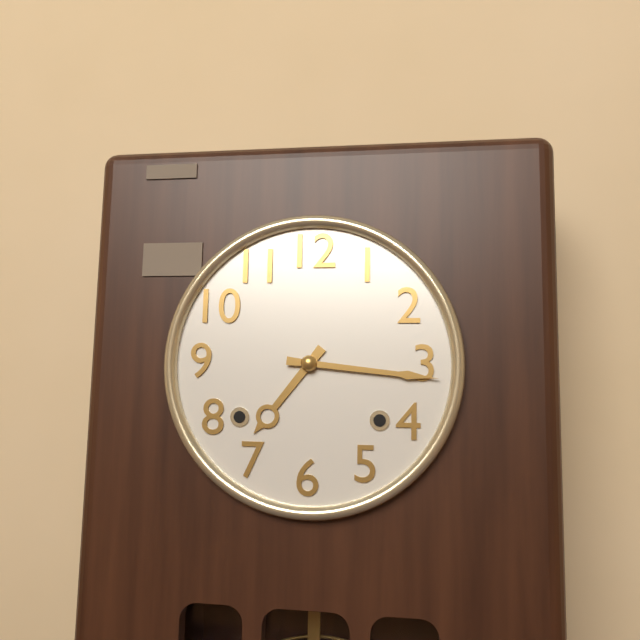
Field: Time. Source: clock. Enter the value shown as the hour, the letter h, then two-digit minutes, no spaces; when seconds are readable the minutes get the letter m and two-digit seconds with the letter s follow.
7h16
